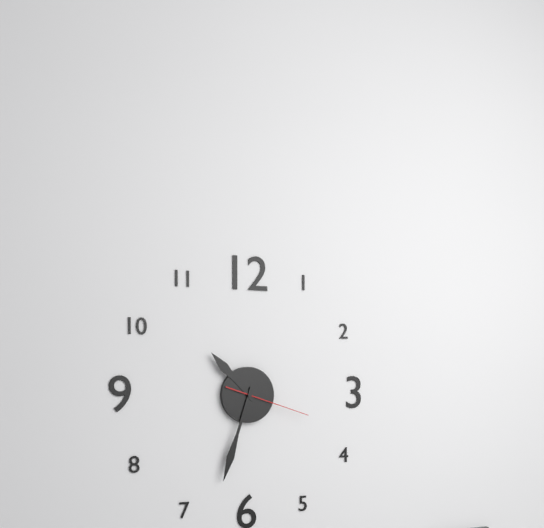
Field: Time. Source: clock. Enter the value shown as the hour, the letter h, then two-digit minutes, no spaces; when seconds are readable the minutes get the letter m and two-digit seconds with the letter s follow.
10h33m18s
